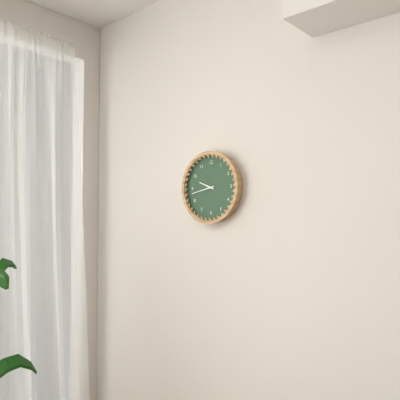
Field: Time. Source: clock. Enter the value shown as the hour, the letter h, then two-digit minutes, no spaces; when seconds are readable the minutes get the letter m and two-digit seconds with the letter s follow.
9h43
